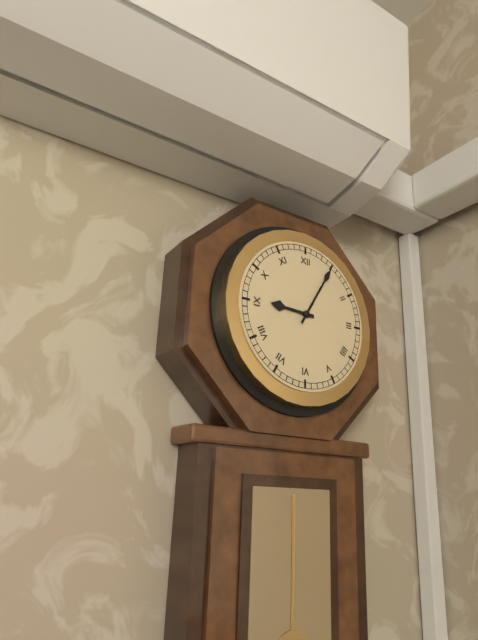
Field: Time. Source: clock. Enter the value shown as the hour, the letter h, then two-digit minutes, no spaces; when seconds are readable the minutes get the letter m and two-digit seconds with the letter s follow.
9h05
